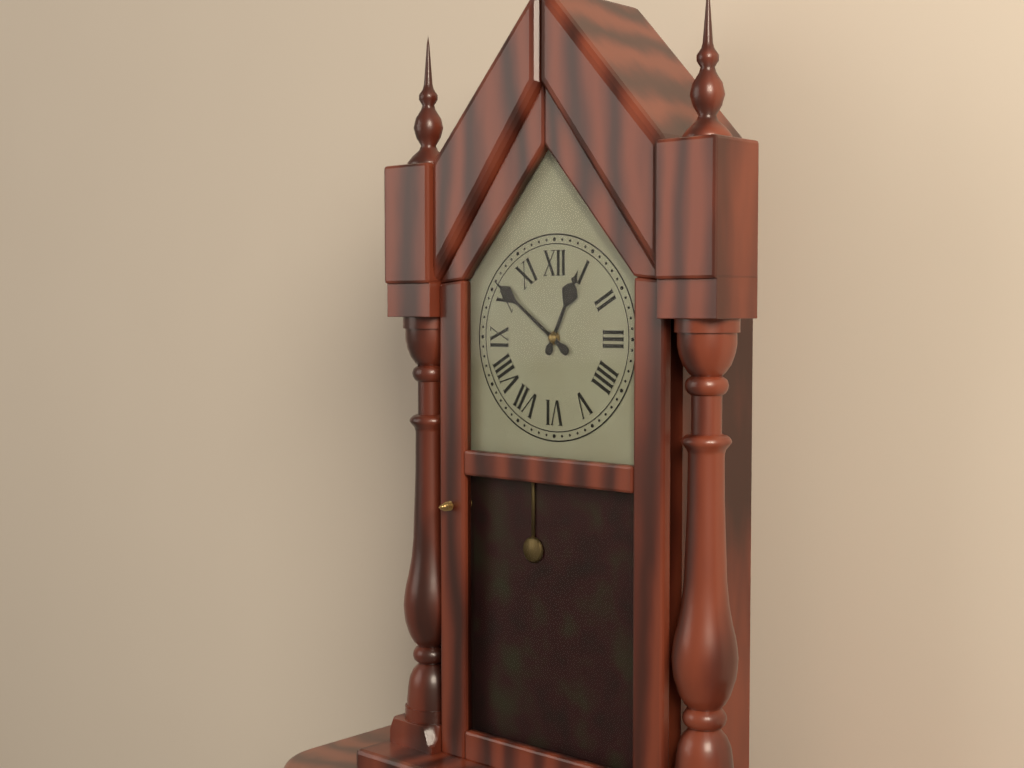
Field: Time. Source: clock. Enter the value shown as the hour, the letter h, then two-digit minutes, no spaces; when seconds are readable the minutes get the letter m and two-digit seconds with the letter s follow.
12h51
